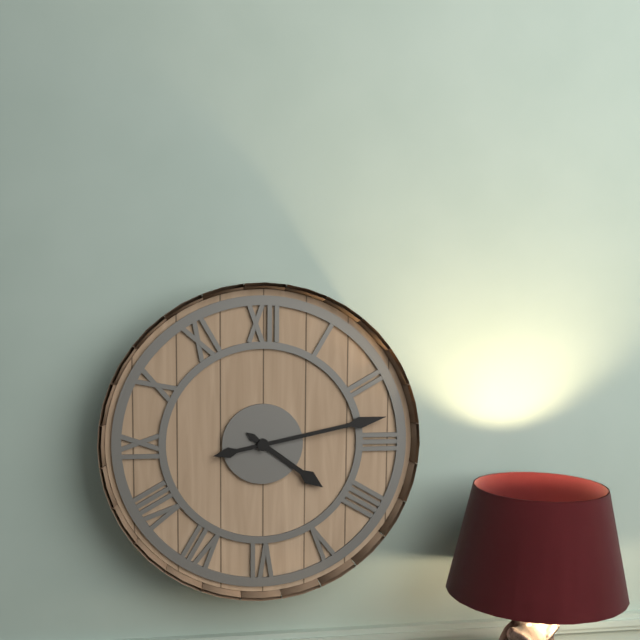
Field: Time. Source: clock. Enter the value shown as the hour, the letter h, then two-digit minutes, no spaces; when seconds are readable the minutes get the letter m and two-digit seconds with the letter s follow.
4h13
